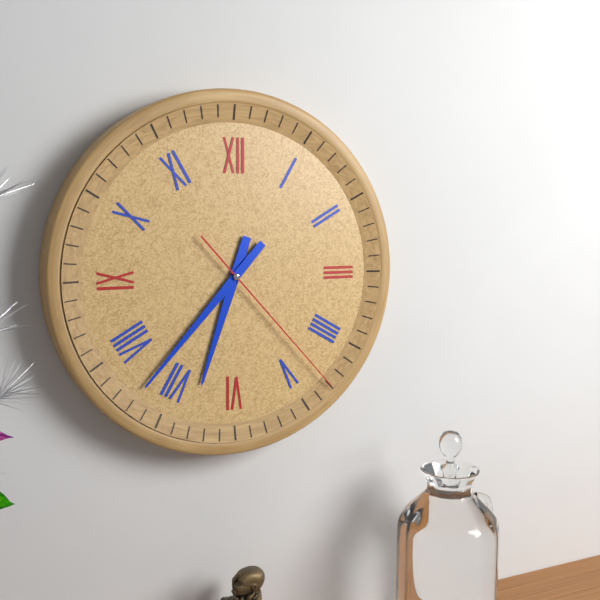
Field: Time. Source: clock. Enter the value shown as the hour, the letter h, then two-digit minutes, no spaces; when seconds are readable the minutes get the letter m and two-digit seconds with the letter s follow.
6h37m23s
